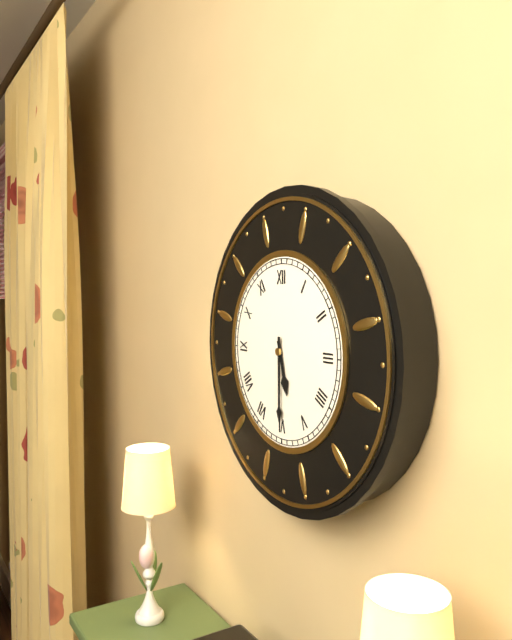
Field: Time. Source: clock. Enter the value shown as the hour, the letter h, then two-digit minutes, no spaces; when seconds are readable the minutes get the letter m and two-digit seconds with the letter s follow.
5h30
